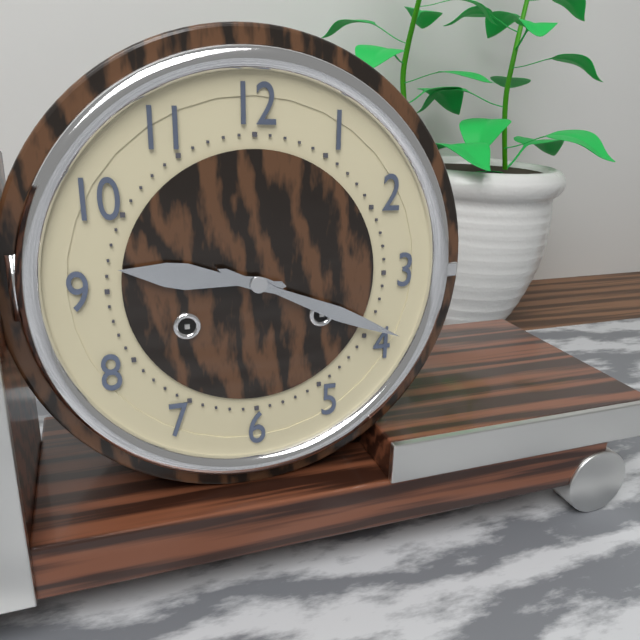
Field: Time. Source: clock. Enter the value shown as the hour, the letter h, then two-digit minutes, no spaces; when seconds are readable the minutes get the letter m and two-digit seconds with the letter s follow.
9h19
